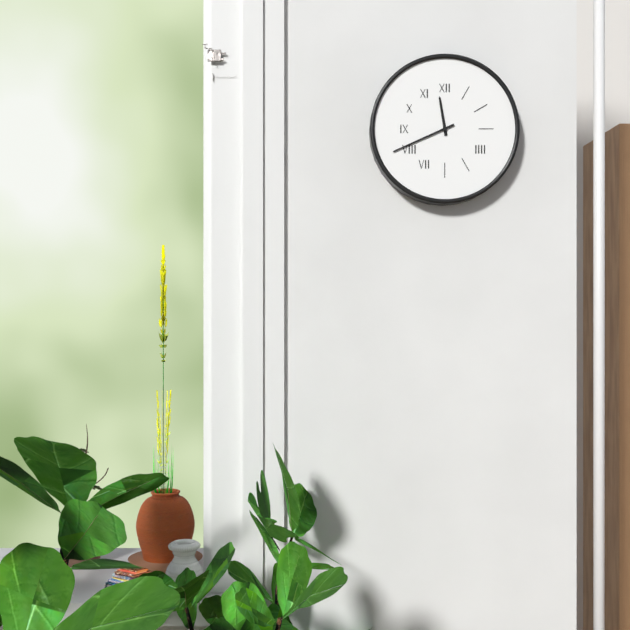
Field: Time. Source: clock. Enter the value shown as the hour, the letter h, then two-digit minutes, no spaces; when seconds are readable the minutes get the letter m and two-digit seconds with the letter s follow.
11h41
